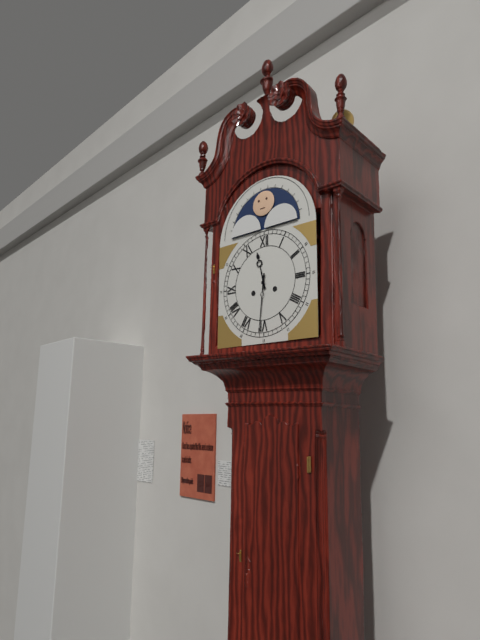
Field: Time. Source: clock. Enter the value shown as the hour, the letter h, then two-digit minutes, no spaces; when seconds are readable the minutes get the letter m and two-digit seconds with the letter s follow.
11h31
